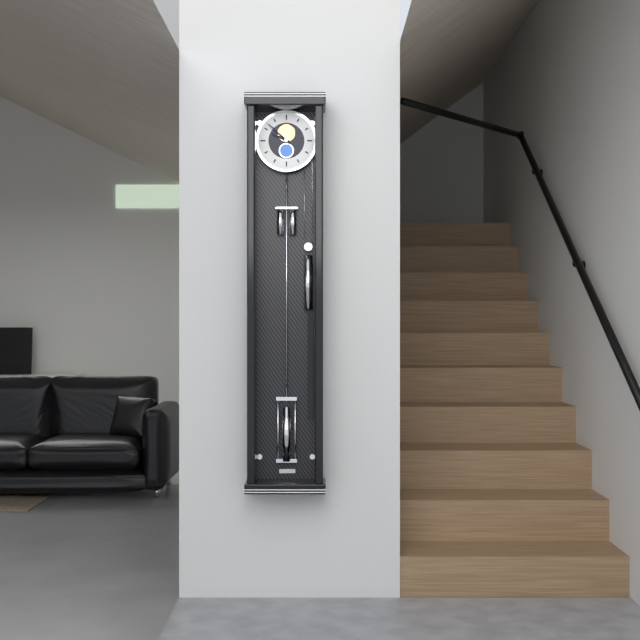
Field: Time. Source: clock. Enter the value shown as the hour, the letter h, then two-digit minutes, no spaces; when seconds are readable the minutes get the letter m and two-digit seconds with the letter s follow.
9h52
